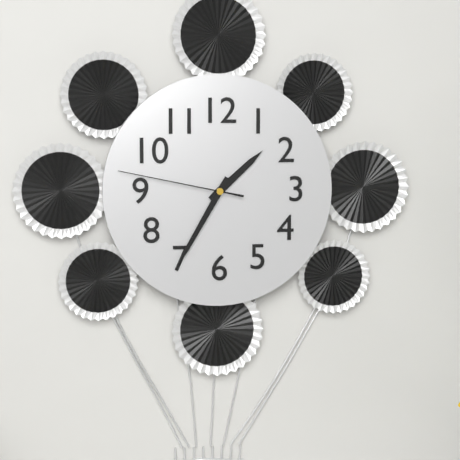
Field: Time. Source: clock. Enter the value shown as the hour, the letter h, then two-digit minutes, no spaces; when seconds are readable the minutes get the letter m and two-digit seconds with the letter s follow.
1h35m47s
